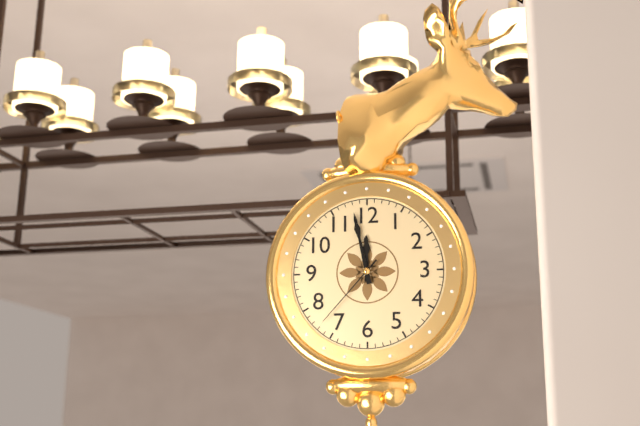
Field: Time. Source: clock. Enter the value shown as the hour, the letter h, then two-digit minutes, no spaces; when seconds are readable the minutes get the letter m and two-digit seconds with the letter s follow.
11h58m37s
